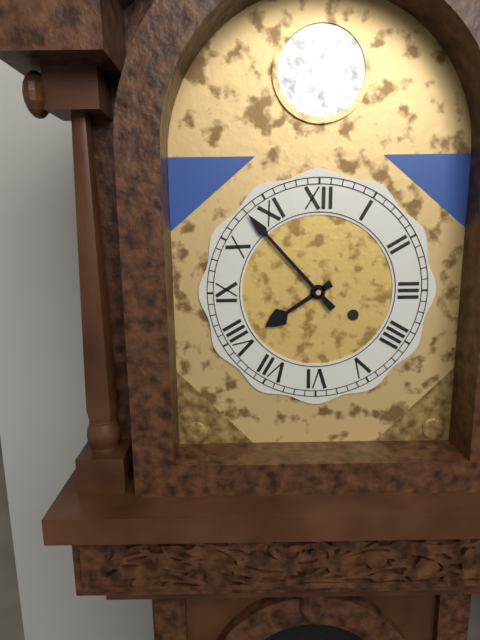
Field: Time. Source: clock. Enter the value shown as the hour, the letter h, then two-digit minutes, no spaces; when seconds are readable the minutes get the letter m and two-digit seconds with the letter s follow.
7h53
